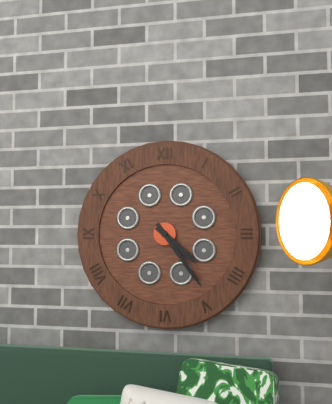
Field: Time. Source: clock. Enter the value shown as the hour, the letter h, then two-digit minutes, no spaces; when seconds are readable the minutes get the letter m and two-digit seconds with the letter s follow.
4h24
